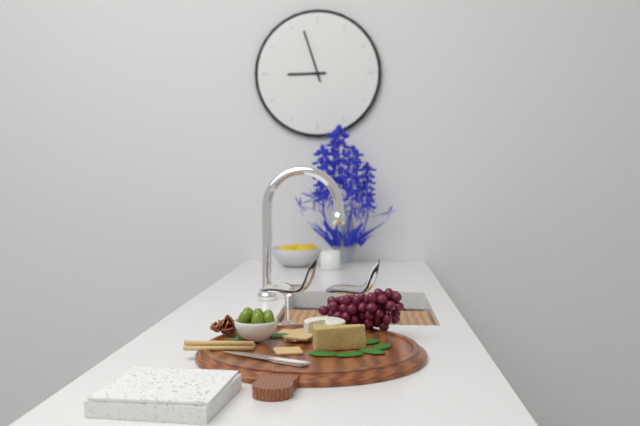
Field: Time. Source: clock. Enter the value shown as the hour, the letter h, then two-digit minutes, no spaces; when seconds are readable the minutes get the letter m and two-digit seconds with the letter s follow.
8h57
